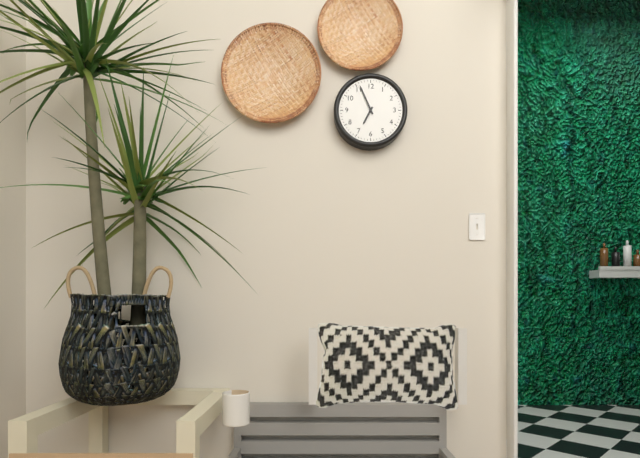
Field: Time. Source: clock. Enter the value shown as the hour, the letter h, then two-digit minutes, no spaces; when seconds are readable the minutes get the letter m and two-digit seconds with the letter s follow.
6h56
